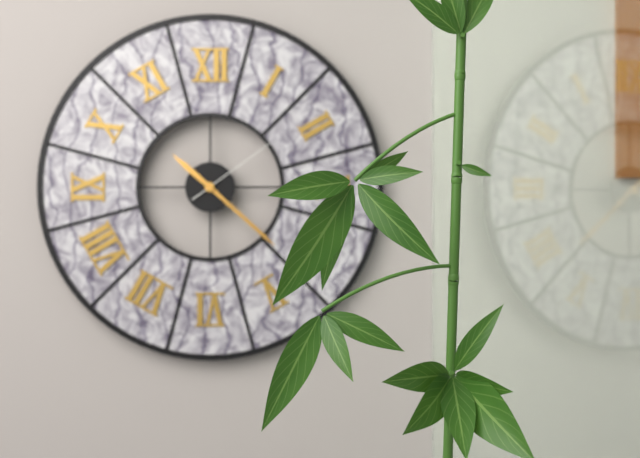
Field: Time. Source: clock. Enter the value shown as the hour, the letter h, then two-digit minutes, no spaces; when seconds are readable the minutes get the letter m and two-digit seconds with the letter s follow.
10h22m09s
